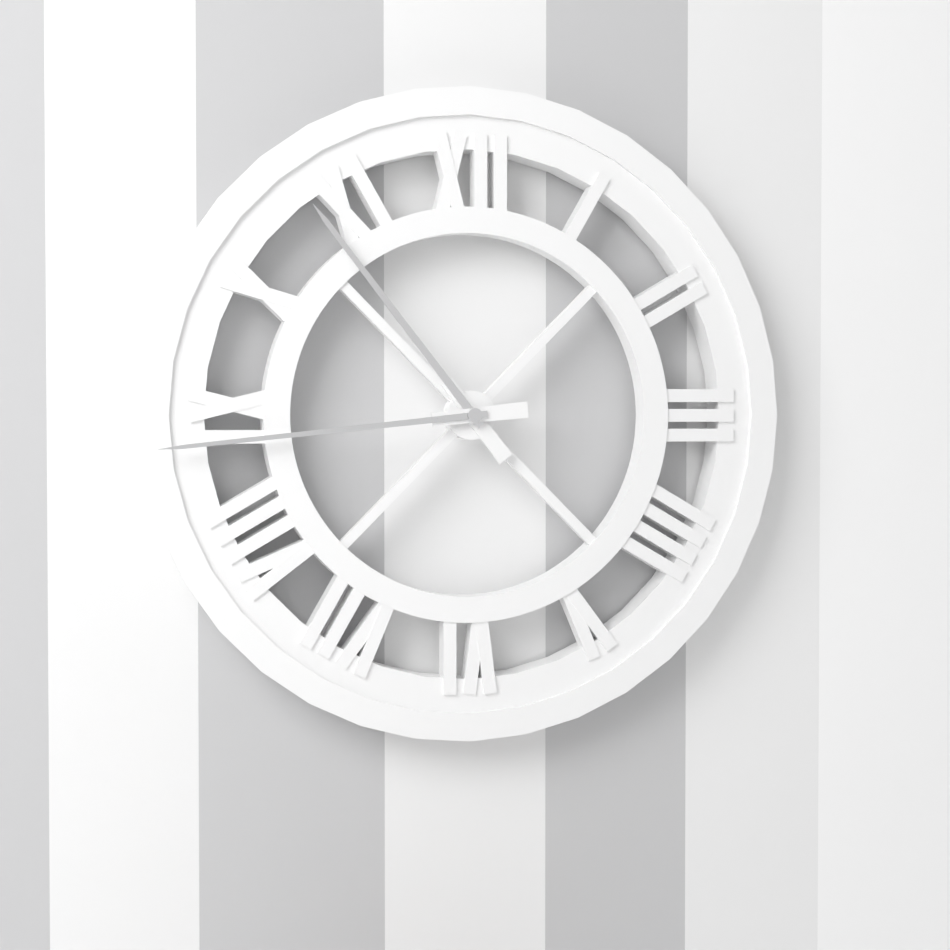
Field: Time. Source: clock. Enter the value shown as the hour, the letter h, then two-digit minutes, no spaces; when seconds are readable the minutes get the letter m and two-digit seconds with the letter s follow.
10h44
